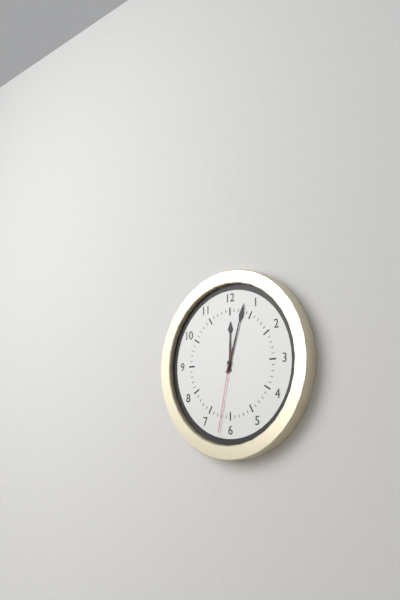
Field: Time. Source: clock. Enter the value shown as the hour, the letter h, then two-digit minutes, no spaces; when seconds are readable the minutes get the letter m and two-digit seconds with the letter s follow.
12h03m32s
